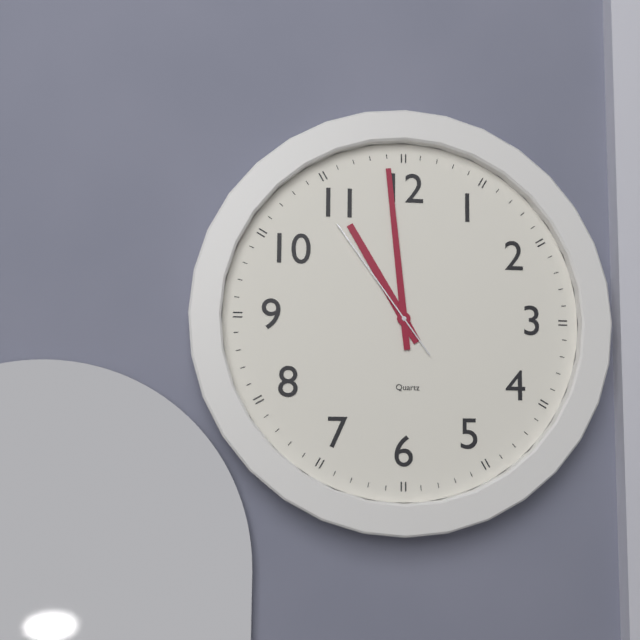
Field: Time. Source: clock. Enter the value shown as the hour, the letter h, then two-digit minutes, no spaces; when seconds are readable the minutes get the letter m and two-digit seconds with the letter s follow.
10h59m54s
